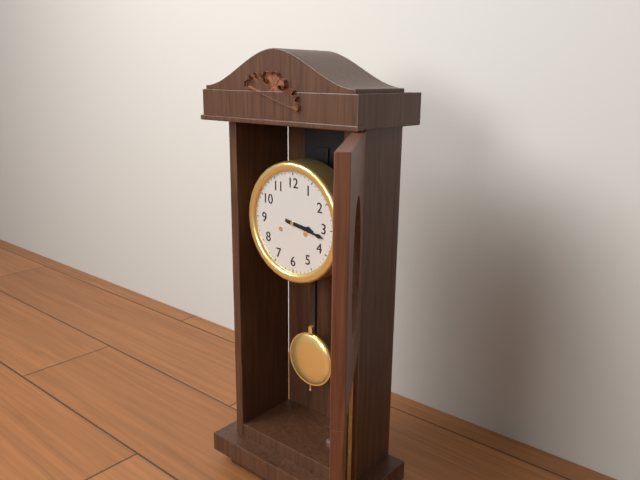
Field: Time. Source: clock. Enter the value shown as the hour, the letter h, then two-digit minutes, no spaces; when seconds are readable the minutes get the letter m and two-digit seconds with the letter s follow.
3h17
